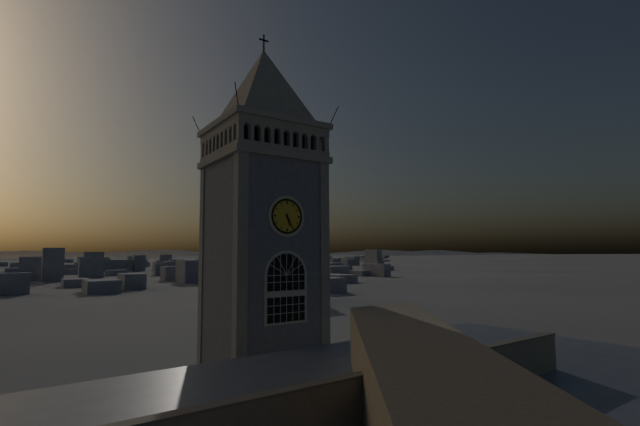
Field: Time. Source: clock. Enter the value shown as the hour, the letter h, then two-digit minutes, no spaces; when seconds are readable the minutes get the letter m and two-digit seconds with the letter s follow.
5h25
